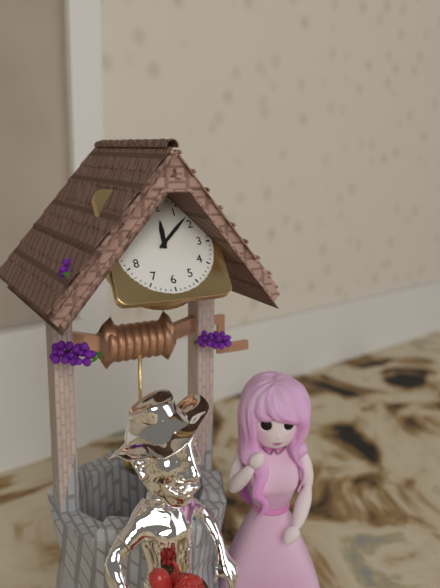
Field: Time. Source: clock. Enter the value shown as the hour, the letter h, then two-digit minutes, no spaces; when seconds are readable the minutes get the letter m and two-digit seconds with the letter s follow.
12h08
